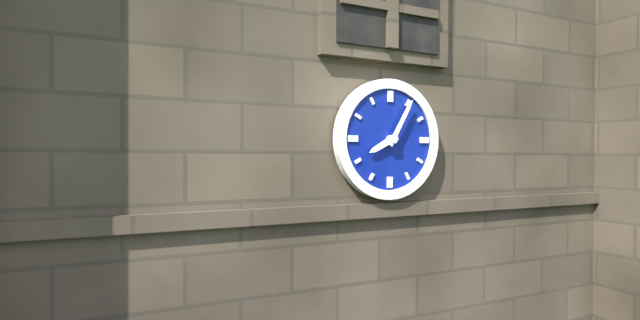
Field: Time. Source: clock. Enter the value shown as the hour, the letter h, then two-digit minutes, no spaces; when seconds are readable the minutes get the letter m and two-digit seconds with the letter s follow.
8h05
